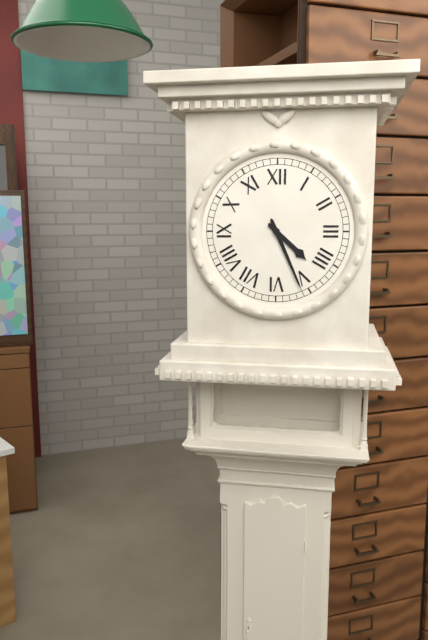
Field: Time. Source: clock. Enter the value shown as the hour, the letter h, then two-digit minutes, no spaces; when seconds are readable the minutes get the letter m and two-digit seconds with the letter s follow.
4h26
